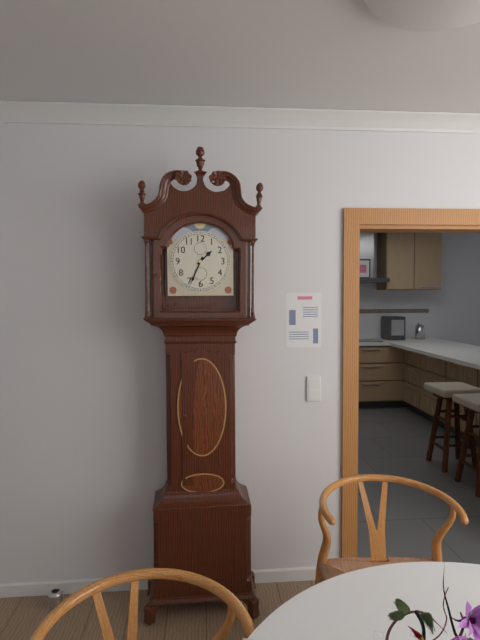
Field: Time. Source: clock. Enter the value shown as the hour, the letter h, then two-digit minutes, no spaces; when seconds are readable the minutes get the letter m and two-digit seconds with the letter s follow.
1h34
